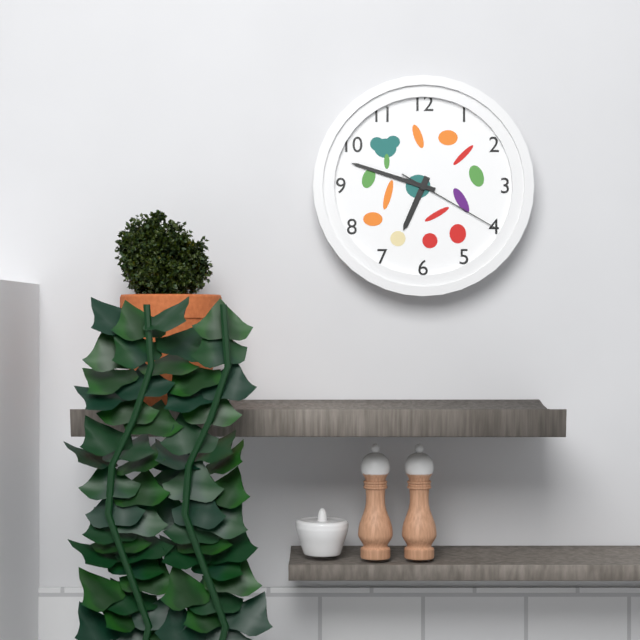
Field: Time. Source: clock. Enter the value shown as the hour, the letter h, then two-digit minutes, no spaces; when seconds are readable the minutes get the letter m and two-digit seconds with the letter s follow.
6h48m20s
